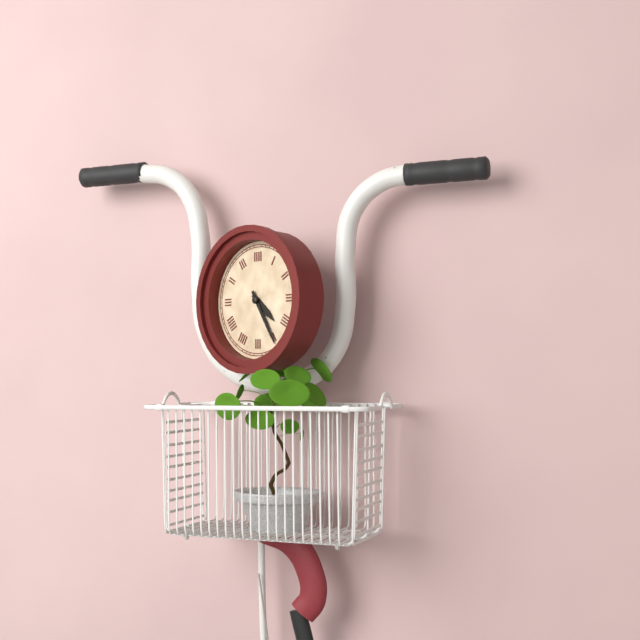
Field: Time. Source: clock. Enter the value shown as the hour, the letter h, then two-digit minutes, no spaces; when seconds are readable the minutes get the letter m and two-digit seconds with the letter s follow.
4h25
